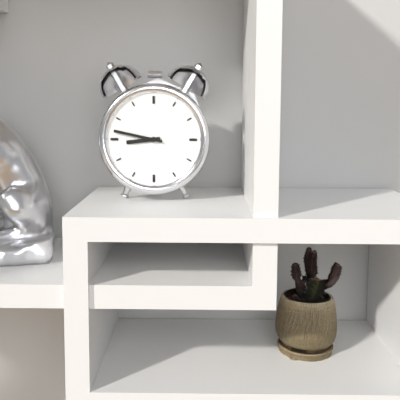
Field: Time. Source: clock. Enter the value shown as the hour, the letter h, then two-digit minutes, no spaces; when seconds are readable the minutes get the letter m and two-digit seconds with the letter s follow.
8h47
